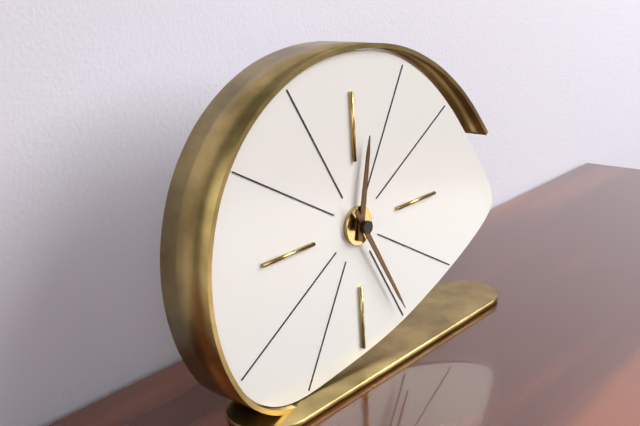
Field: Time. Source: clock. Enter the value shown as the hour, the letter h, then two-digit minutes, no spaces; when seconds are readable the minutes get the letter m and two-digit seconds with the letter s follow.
12h25
